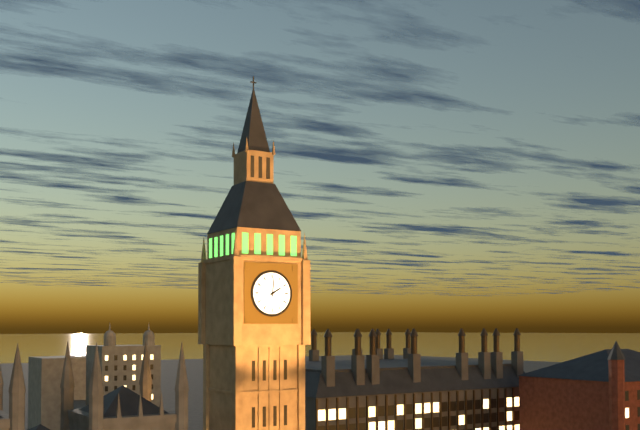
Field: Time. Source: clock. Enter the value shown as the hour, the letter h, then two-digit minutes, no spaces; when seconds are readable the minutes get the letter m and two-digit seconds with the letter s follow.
2h01
